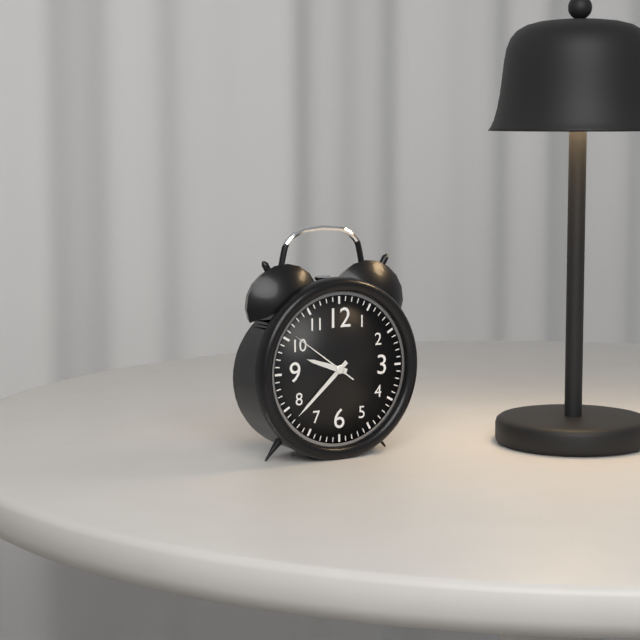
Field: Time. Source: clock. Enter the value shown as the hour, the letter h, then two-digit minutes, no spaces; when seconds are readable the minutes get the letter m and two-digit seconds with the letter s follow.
9h38m51s
